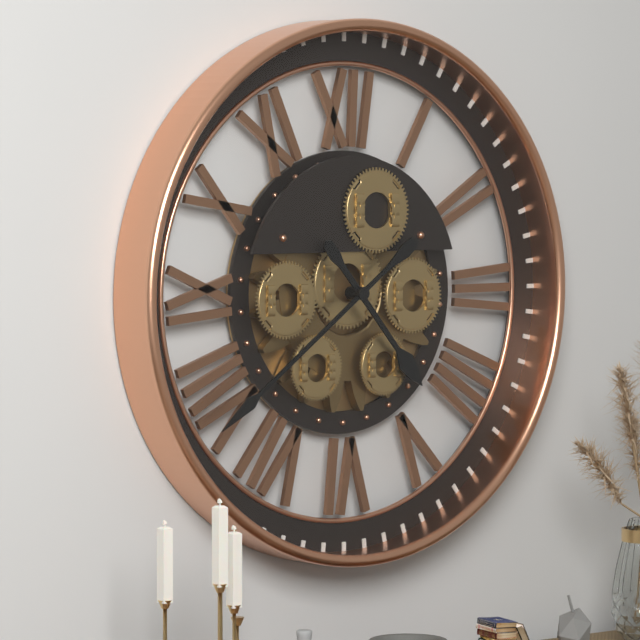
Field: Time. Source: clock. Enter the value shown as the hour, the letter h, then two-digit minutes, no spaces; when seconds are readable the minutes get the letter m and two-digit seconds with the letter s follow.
4h39
